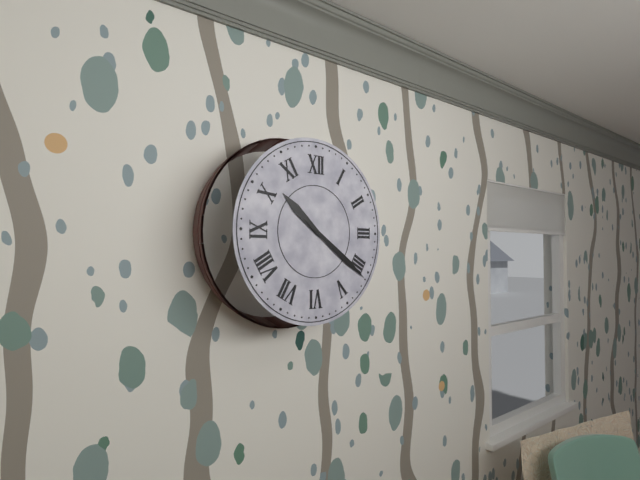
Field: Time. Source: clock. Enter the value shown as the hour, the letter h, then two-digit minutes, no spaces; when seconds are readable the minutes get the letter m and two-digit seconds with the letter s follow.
10h21
